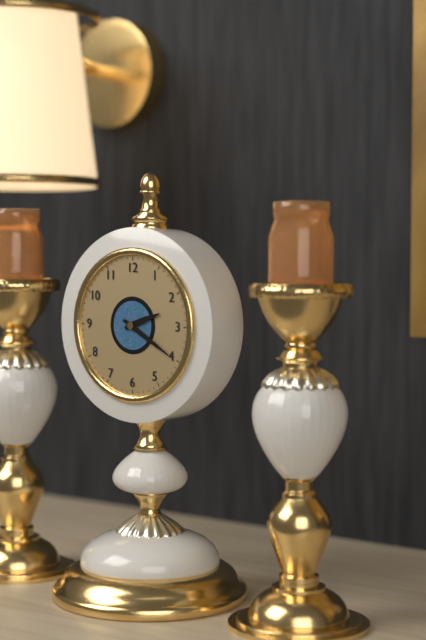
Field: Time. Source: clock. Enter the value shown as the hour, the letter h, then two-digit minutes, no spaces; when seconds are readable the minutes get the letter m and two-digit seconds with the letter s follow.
2h20
